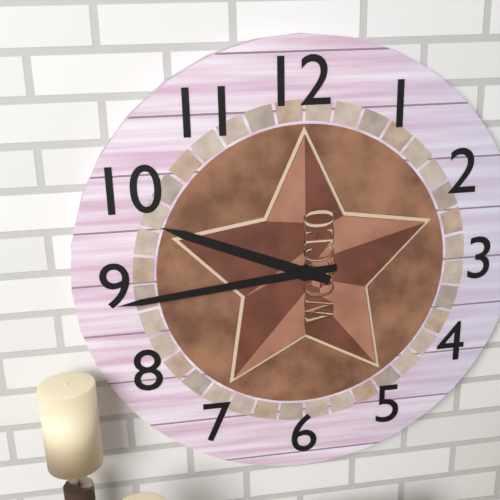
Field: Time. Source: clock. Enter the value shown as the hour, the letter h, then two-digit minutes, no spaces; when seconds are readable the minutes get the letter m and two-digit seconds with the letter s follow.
9h44
